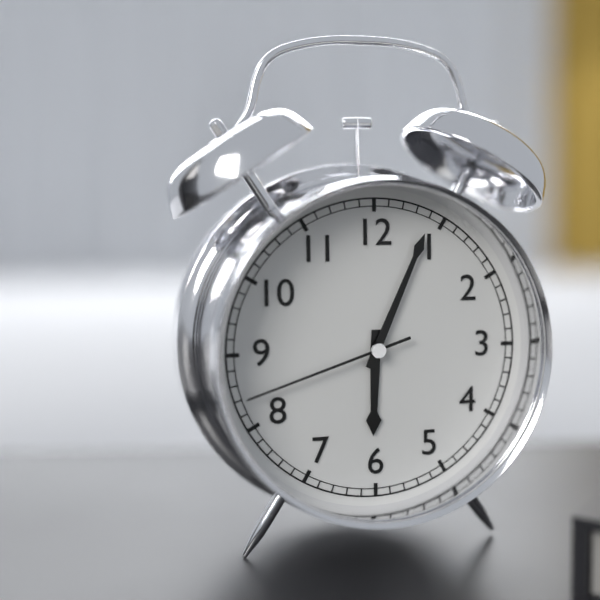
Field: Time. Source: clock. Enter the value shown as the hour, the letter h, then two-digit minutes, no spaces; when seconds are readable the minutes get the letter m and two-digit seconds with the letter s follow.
6h04m42s
